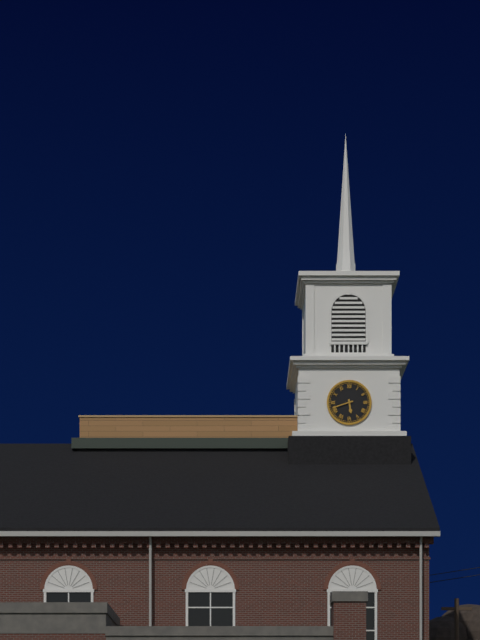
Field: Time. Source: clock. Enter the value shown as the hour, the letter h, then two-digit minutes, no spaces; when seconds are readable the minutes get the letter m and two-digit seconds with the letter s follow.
5h42
